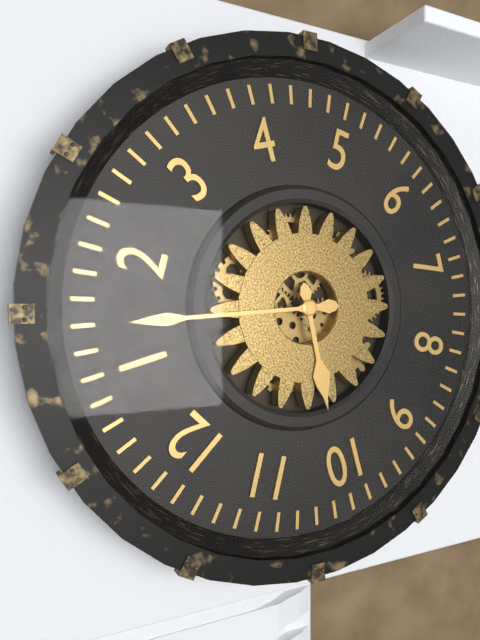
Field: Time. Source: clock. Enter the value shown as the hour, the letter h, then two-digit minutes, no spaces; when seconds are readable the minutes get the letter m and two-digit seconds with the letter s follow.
10h07
